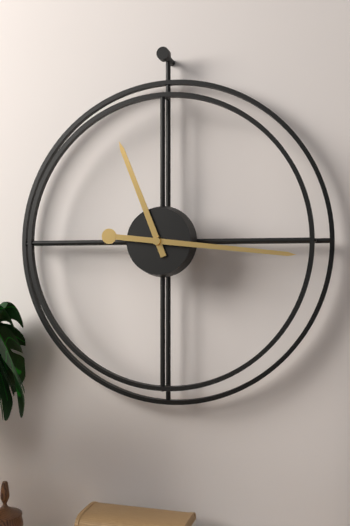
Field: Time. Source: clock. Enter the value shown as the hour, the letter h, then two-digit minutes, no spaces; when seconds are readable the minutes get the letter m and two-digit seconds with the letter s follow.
11h16
